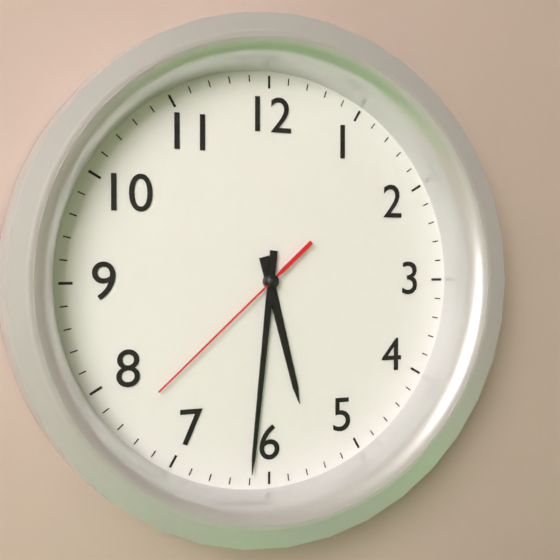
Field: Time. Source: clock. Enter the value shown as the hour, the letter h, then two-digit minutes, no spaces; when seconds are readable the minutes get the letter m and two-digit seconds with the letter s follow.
5h31m38s
